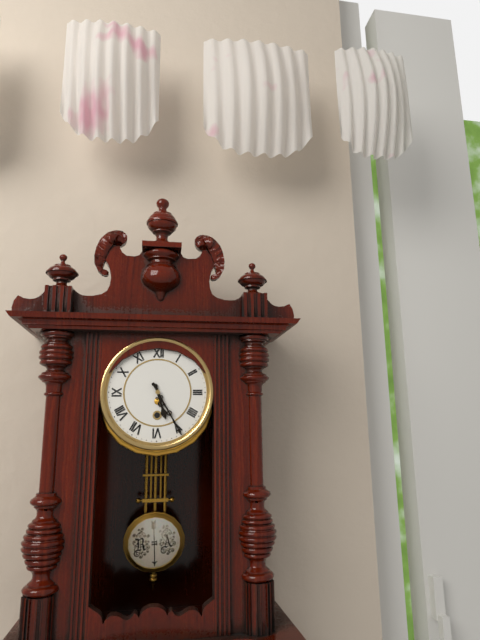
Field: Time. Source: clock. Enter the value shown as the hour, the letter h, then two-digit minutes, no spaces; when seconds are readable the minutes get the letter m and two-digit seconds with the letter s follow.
5h25
